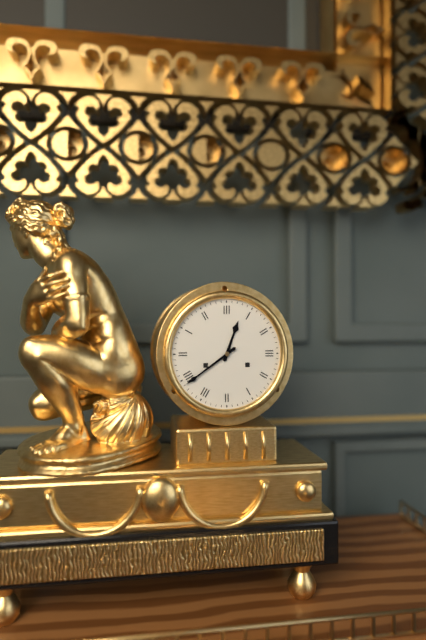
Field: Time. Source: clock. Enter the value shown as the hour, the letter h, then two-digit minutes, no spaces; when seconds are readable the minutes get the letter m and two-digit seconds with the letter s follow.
12h39
